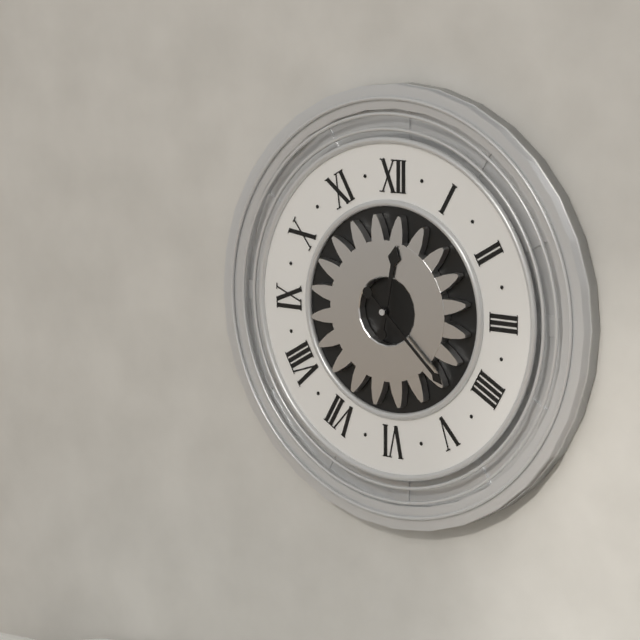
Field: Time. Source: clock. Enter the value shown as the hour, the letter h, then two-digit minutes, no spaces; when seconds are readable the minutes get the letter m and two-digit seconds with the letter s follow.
12h22
